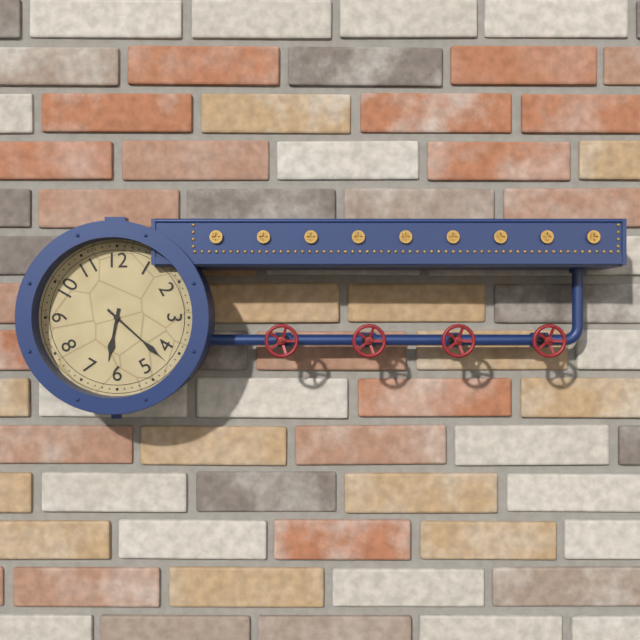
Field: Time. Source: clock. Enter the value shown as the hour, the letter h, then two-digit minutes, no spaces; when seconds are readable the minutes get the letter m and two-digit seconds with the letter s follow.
6h22
